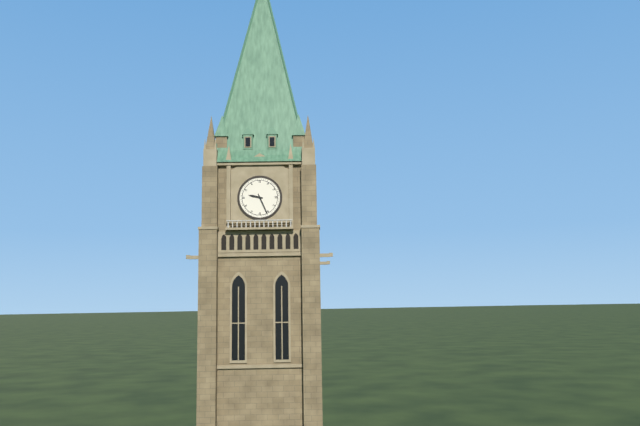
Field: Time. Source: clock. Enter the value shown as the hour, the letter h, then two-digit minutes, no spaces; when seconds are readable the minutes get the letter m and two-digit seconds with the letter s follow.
9h26
